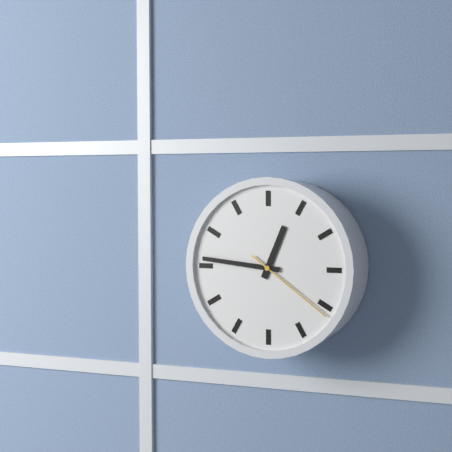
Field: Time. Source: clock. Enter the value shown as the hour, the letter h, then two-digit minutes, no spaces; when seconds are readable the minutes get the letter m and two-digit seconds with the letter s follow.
12h46m21s
